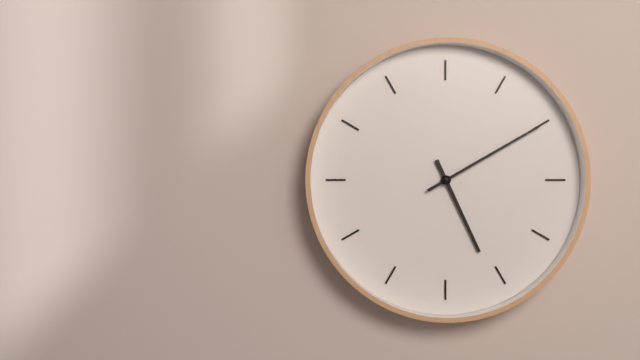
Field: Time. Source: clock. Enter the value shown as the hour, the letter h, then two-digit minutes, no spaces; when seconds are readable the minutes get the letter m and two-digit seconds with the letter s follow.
5h10
